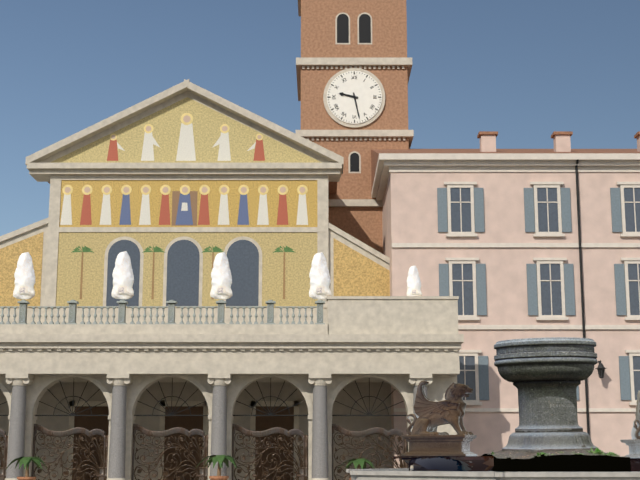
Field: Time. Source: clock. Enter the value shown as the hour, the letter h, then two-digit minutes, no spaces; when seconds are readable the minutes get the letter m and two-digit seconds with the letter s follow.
9h28
